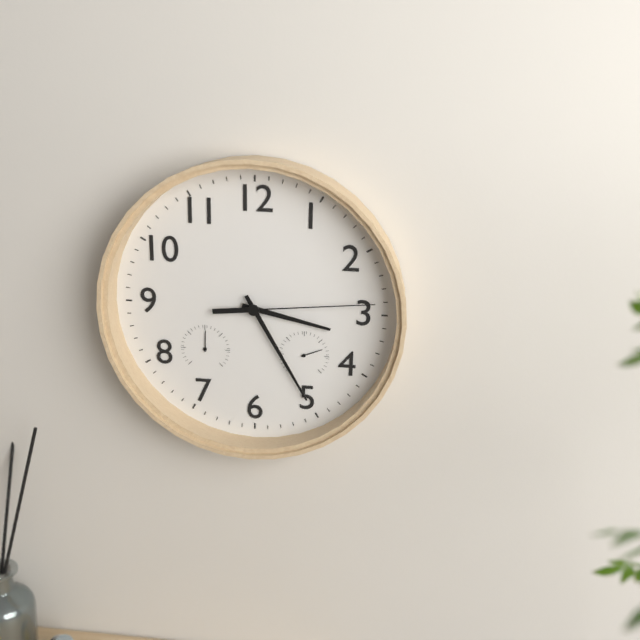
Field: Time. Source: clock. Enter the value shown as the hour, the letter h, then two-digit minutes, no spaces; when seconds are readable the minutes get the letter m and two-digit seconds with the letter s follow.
3h25m14s
